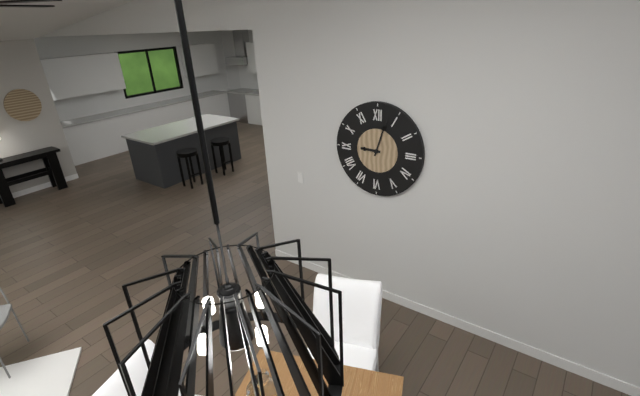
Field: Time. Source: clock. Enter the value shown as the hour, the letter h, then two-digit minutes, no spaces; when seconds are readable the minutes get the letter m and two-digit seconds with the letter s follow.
9h03
